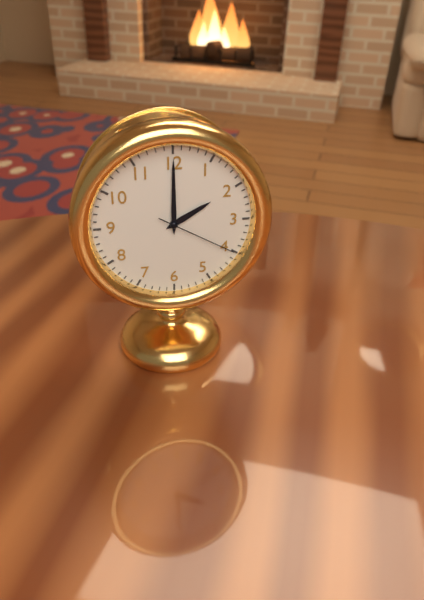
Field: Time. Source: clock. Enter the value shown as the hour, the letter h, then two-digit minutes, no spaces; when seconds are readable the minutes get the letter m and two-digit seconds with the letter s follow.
2h00m20s
